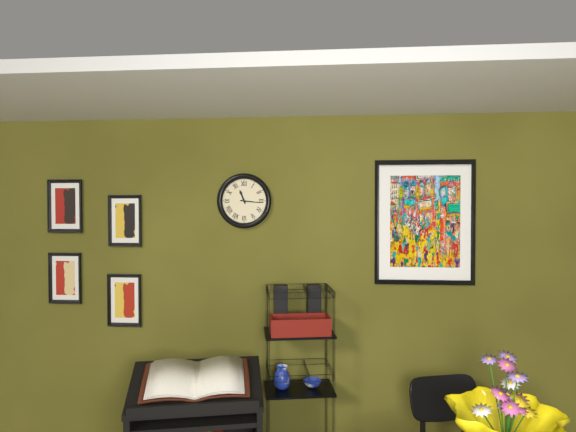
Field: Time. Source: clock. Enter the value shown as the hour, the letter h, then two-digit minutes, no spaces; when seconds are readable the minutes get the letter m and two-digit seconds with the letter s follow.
11h16
